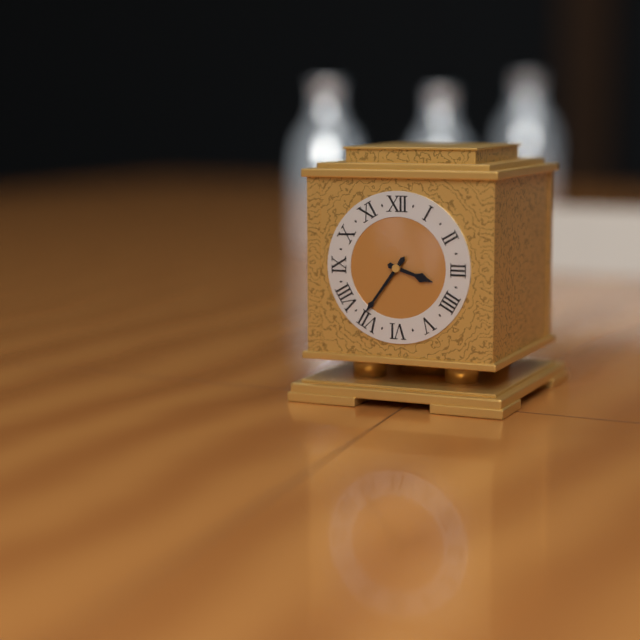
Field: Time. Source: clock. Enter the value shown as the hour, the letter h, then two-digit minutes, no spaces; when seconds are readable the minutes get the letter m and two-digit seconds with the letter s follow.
3h36
